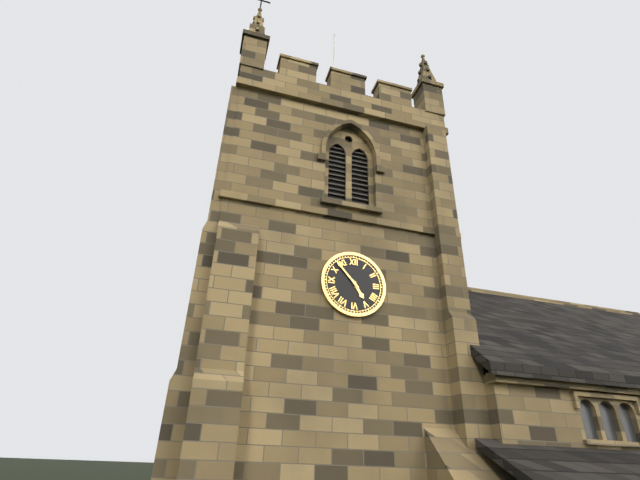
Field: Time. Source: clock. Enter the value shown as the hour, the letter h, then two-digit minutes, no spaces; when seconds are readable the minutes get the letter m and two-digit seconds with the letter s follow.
4h53
